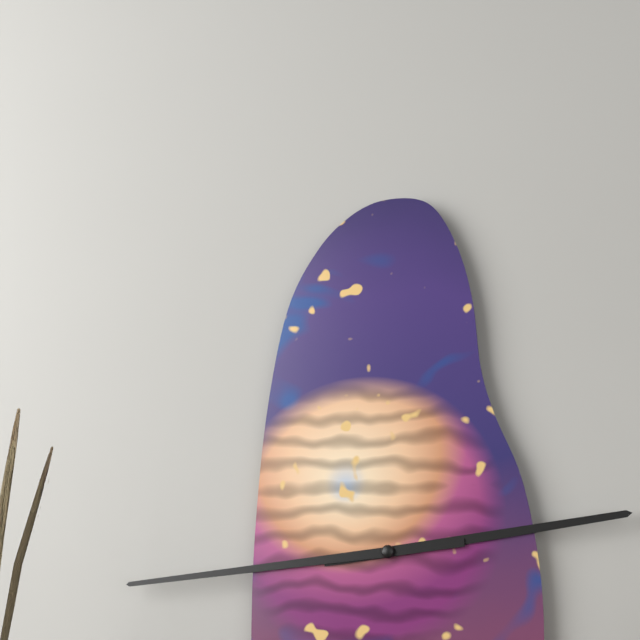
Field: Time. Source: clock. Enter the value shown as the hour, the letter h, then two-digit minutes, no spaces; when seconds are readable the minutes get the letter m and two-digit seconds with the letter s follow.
2h44
